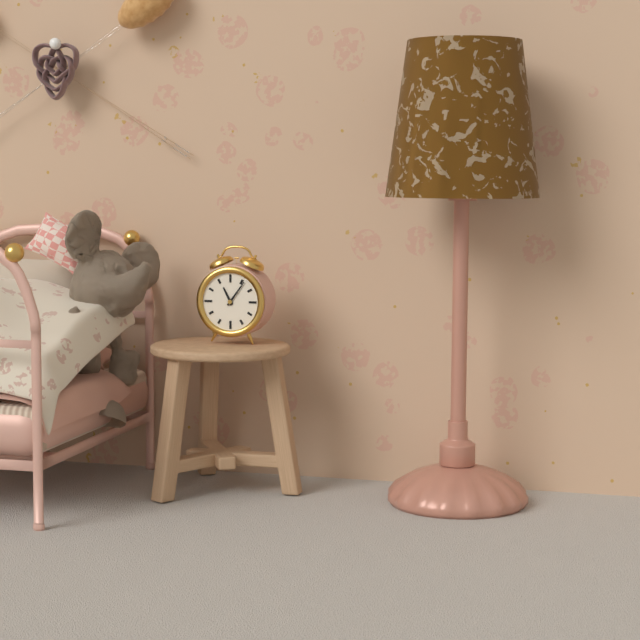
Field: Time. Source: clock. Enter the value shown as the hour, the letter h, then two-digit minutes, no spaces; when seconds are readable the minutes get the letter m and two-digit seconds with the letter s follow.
11h06
